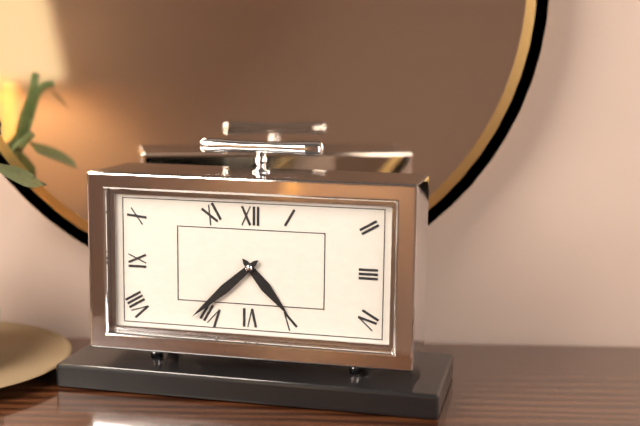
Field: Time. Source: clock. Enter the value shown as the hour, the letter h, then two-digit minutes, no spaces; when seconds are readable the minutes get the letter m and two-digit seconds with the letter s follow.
4h38
